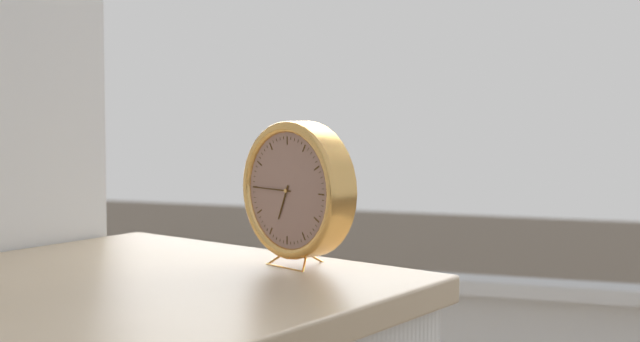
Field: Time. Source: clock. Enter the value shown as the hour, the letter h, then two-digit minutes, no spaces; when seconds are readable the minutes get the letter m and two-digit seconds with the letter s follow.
6h45
